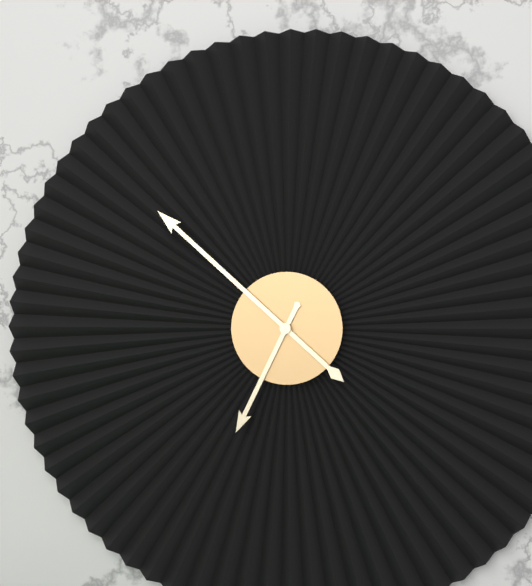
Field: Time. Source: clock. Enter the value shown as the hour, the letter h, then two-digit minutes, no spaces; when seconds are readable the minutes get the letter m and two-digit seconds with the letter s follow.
6h52
